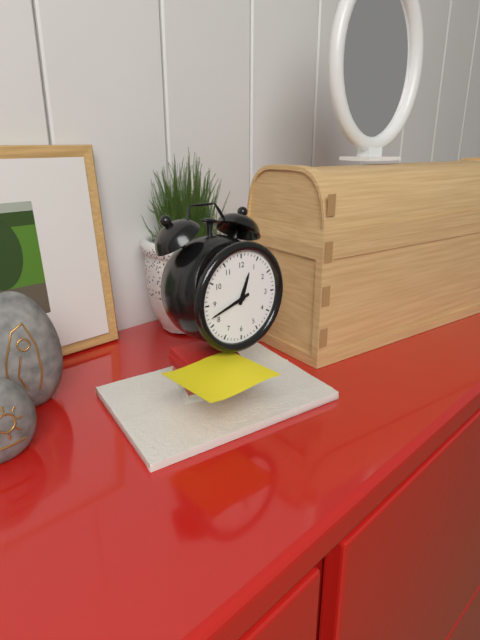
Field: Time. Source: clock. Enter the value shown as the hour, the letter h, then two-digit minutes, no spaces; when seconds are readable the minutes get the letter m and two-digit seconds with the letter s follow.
12h42
